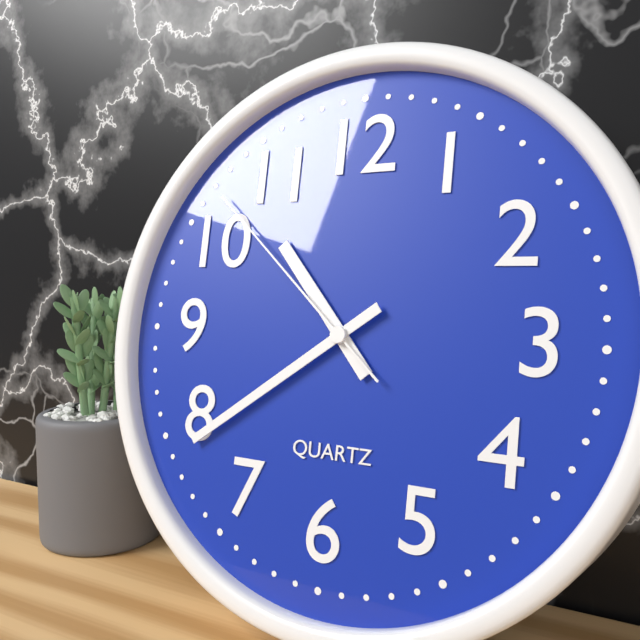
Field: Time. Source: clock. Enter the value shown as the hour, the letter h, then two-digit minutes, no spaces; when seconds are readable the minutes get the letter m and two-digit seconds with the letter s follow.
10h39m52s
